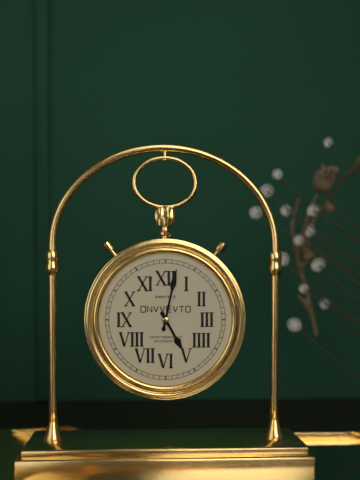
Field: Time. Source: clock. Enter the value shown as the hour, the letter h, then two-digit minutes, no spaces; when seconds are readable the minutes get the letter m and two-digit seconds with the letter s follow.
5h02
